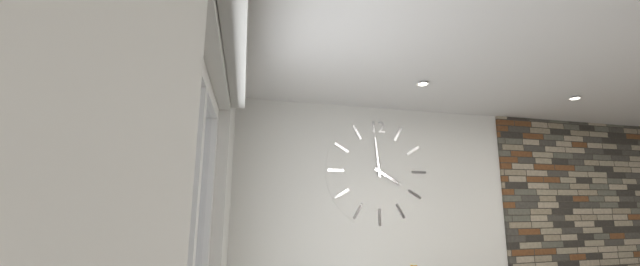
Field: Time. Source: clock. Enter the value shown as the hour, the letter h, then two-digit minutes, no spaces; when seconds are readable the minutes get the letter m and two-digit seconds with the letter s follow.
3h59
